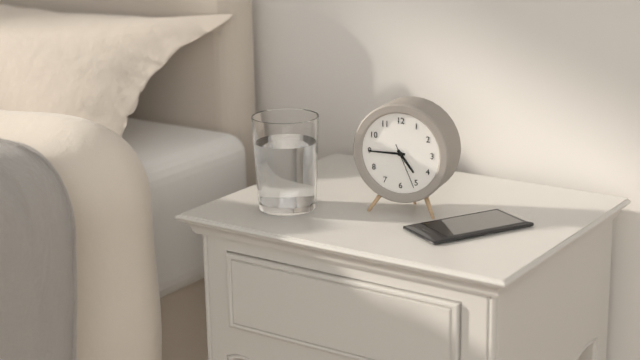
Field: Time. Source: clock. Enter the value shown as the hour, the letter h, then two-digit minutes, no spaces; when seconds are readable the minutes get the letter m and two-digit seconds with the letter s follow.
4h45
